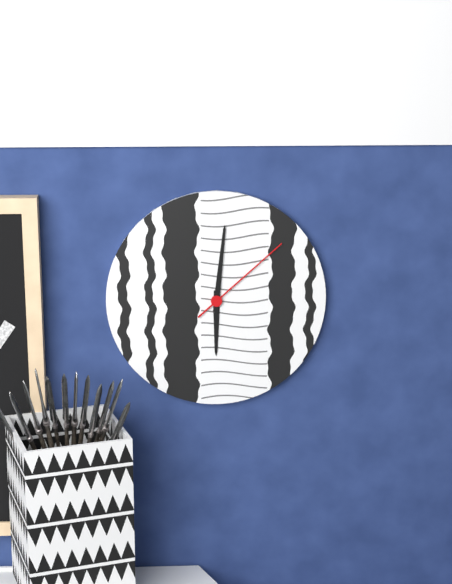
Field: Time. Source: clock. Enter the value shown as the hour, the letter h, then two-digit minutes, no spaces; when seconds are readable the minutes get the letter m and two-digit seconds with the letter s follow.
6h01m08s
